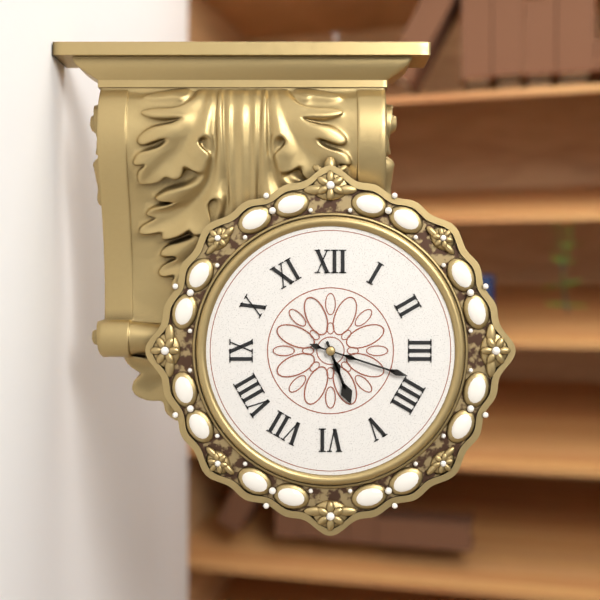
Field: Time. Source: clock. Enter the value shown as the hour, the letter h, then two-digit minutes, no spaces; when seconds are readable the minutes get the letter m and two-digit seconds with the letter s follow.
5h18
